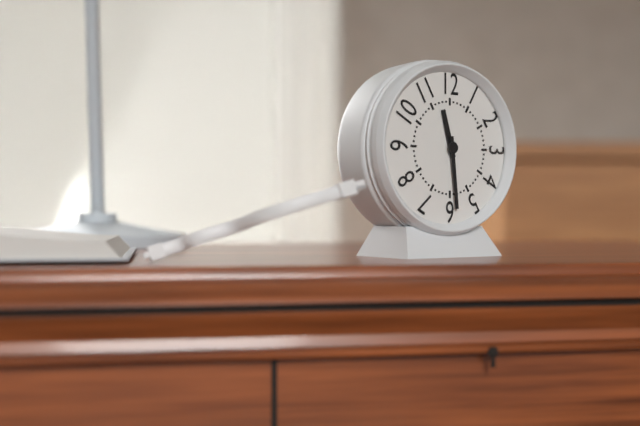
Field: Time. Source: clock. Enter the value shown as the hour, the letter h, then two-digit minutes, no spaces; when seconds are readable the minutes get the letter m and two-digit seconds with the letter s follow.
11h29
